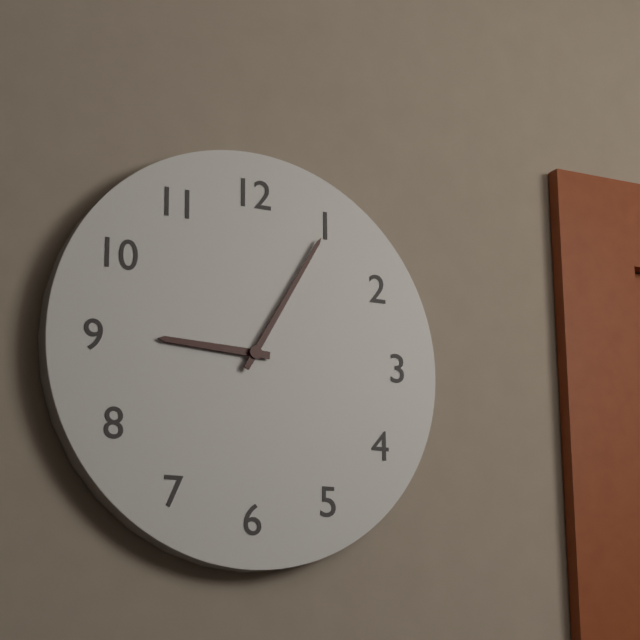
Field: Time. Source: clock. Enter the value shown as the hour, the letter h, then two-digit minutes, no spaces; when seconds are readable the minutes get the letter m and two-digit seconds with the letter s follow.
9h05
